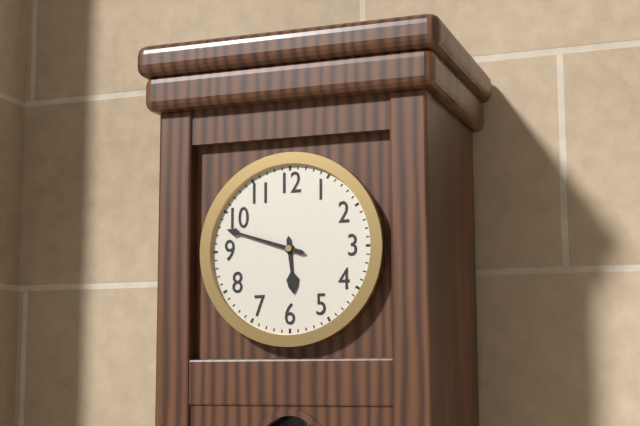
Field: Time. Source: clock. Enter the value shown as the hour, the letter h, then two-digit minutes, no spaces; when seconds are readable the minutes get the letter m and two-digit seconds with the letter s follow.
5h48
